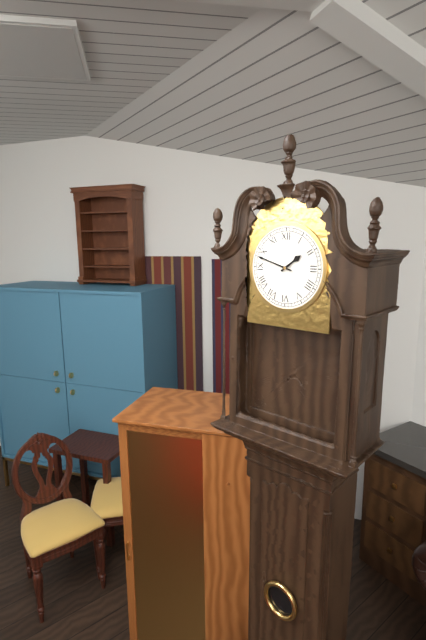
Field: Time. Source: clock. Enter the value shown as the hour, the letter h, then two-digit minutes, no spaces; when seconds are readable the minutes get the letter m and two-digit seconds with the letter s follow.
1h48
